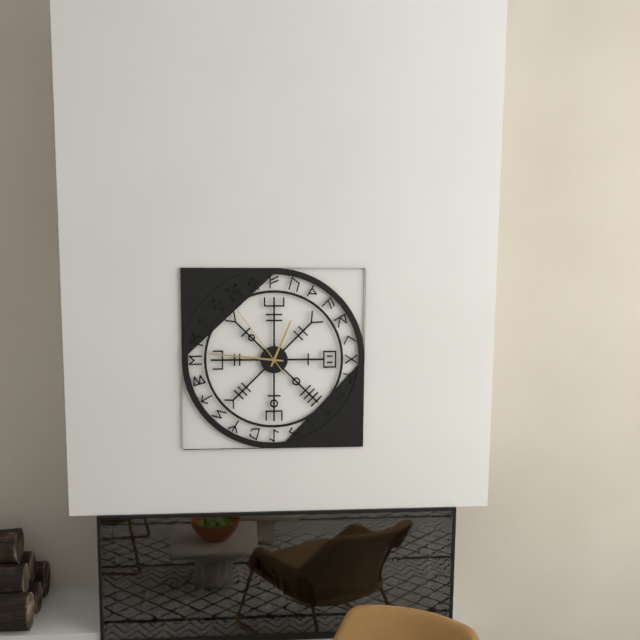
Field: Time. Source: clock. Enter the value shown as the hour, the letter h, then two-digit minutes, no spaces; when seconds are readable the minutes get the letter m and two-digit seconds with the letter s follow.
12h46m54s
